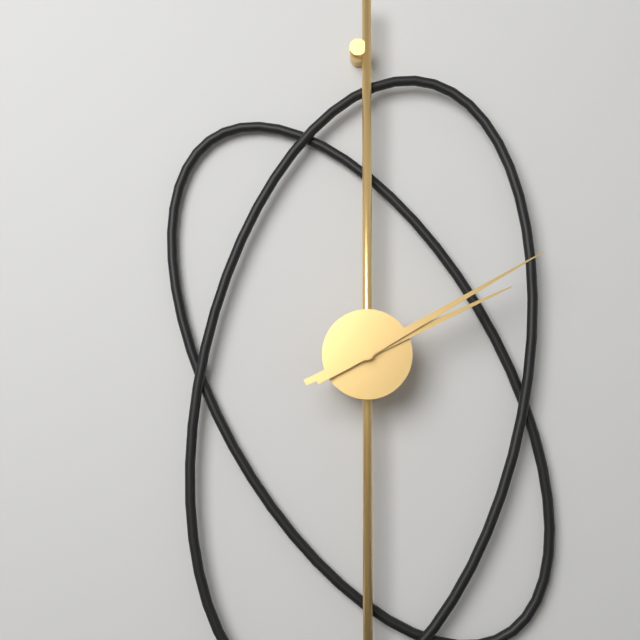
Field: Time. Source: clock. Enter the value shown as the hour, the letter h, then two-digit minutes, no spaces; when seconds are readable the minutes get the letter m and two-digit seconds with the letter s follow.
2h10
